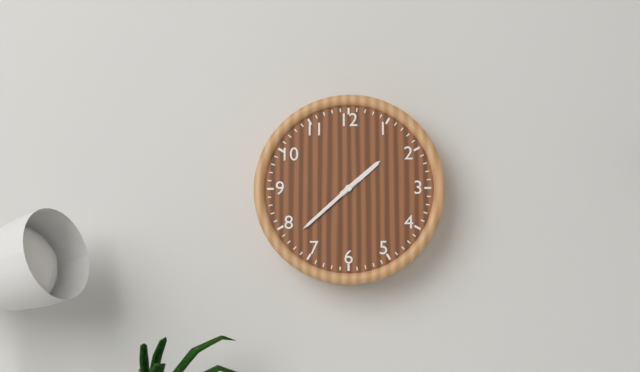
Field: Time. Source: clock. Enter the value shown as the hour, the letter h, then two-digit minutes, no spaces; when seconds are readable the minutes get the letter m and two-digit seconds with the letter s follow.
1h38
